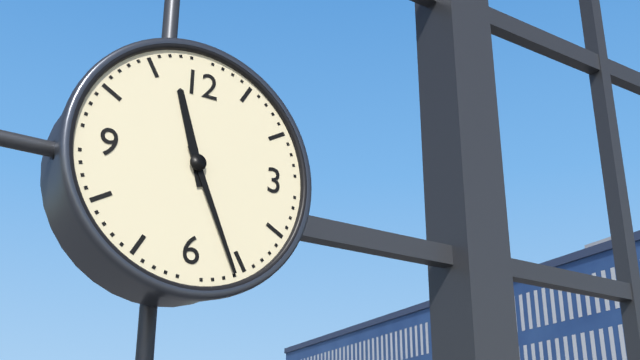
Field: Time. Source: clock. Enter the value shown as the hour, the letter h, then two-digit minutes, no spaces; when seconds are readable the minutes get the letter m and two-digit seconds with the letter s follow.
11h26
